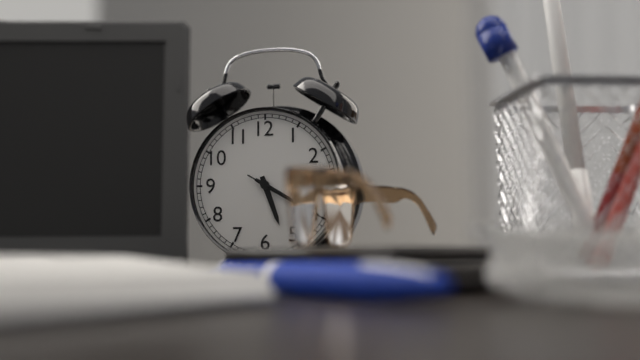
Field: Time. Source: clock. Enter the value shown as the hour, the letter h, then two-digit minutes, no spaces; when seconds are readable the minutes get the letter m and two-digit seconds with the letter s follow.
5h20m20s
